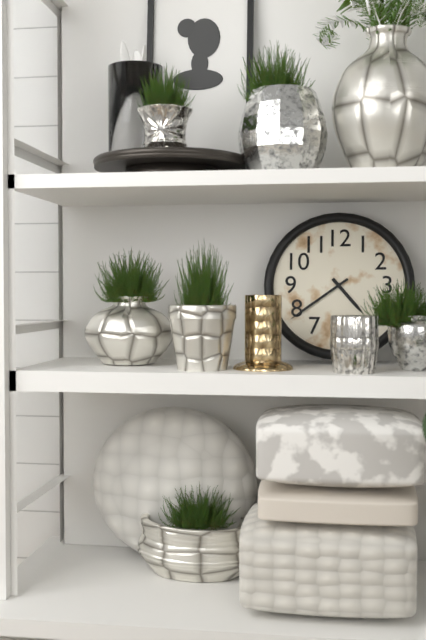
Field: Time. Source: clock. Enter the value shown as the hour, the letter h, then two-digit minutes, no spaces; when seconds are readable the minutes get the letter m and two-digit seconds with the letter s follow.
4h39
